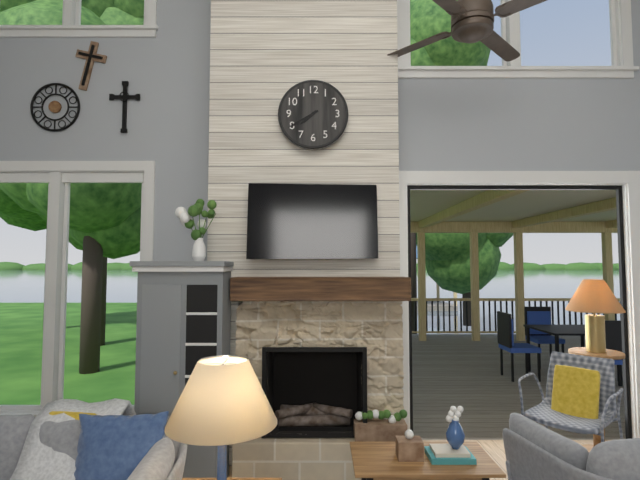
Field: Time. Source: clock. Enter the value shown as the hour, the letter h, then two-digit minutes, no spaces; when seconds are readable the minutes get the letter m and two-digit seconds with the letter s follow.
7h40
